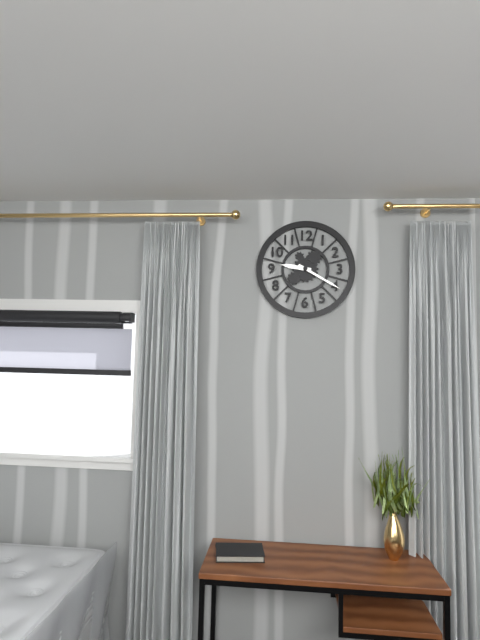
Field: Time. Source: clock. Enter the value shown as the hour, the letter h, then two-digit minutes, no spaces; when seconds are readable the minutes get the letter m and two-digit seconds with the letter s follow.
9h20
